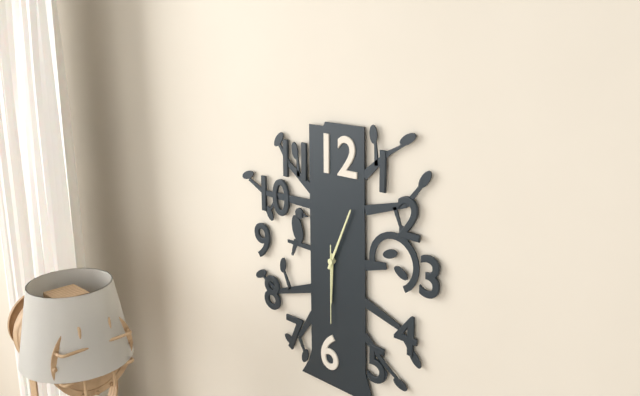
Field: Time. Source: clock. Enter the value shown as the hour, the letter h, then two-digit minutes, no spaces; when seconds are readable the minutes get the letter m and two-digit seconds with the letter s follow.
6h04m30s
